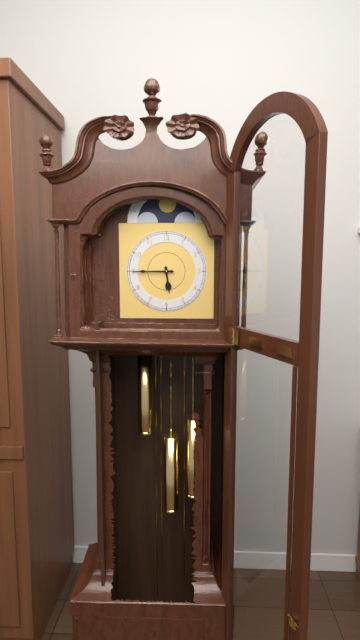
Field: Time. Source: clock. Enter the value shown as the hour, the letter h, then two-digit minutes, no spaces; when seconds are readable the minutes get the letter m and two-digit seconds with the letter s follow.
5h45
